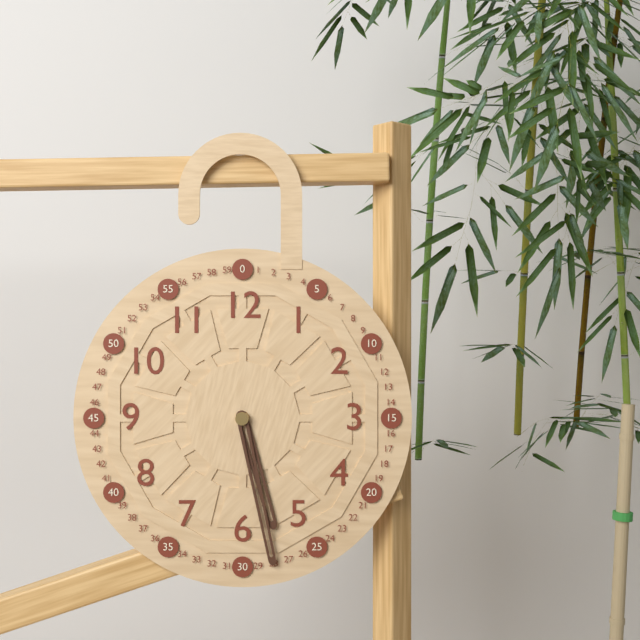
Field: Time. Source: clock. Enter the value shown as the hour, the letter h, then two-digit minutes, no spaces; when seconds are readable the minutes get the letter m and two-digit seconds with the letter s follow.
5h28
